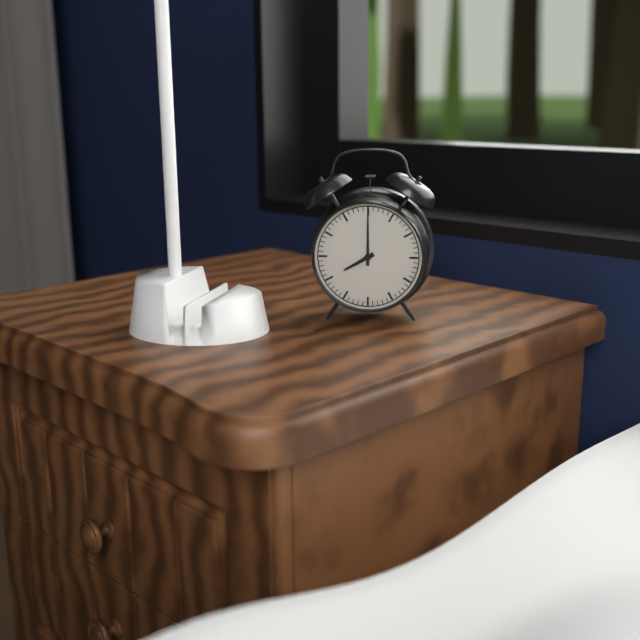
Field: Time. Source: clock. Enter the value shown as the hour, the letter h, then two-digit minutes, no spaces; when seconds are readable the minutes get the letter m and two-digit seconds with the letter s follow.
8h00
